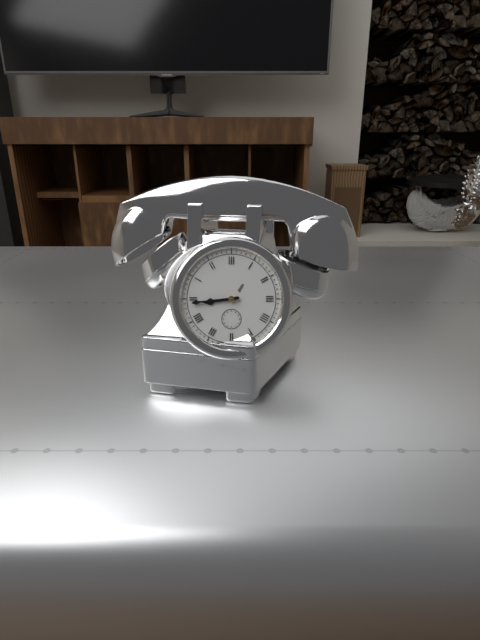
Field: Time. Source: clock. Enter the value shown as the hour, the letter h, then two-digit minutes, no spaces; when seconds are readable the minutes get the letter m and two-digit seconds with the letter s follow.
8h44
